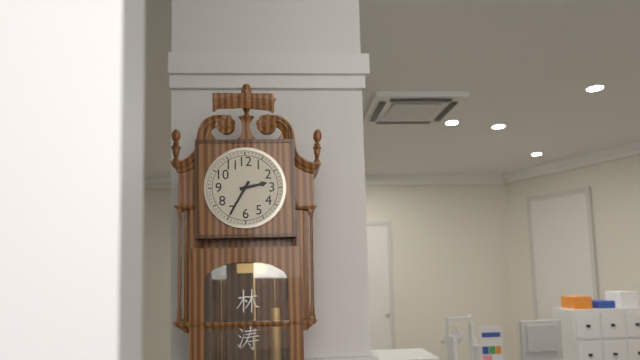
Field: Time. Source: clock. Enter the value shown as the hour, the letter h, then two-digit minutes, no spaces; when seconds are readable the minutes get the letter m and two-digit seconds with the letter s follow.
2h35
